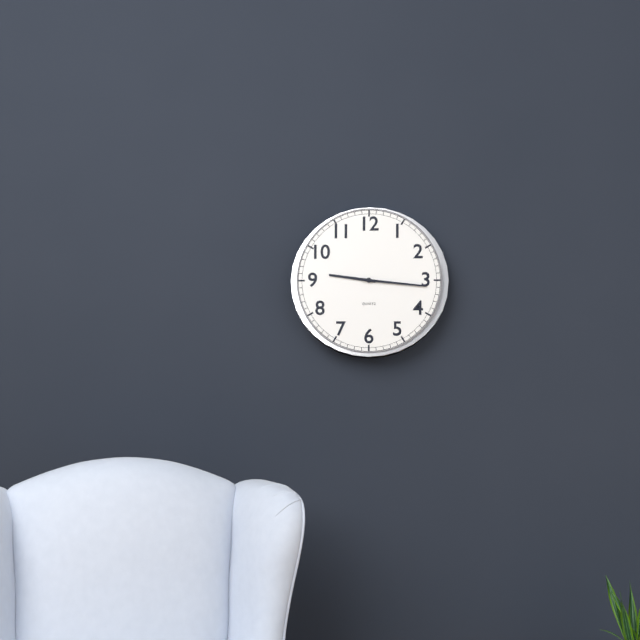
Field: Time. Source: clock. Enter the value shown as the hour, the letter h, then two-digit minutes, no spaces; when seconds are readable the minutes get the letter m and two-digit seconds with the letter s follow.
9h16
